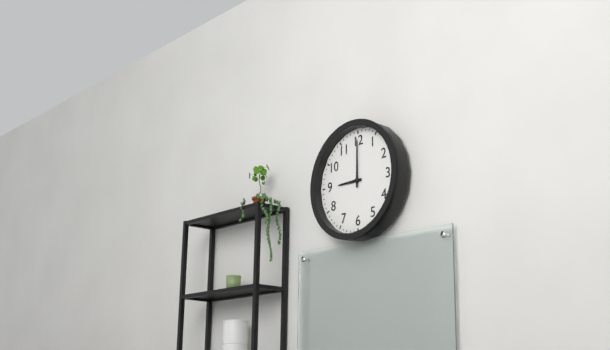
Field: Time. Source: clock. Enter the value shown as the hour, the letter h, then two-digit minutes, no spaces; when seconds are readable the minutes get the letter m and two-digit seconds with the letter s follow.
9h00
